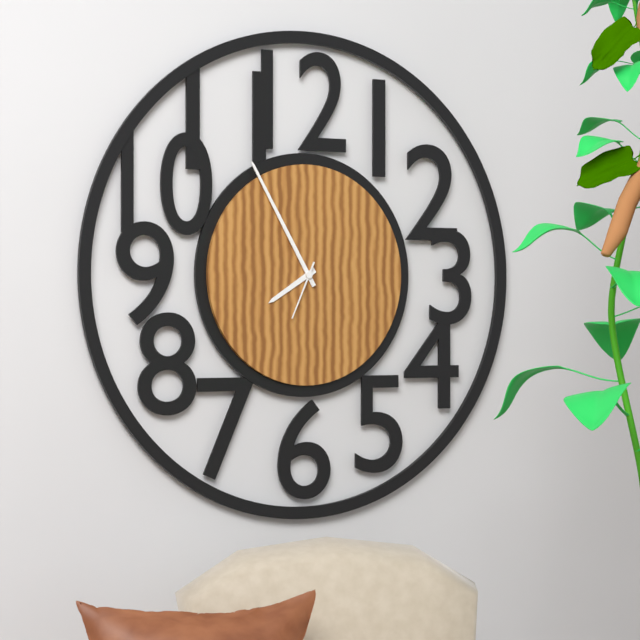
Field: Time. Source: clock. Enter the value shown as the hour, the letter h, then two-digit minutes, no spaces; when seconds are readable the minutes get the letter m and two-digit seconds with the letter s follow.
7h55m34s
